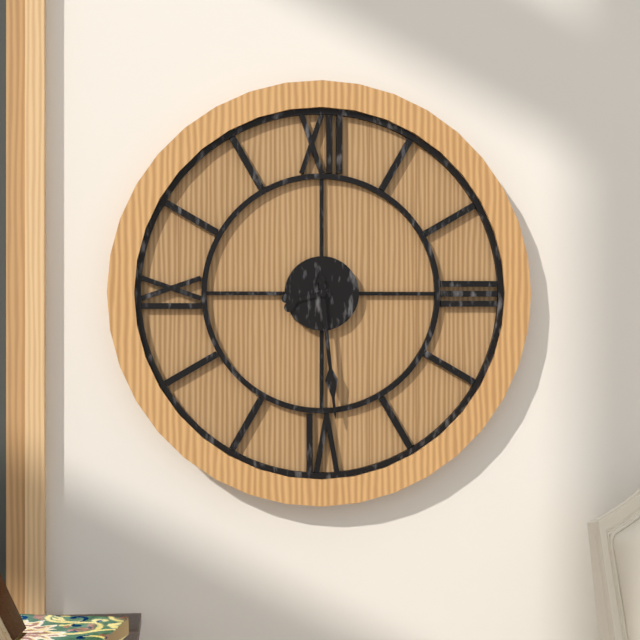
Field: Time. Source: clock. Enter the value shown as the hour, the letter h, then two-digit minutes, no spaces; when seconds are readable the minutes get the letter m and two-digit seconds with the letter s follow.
8h29
